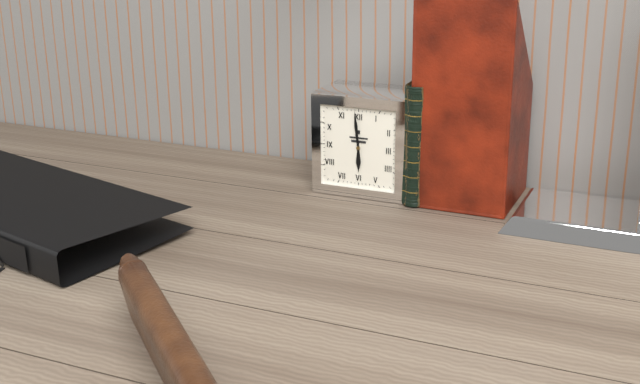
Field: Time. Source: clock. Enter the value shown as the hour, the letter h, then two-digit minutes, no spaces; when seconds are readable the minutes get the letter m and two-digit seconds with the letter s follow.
5h59
